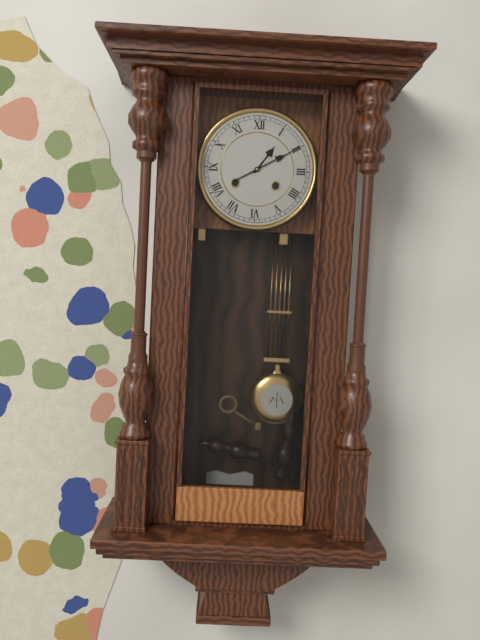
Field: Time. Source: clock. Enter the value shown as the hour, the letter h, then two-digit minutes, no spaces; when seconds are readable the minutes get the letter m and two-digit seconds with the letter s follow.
1h10
